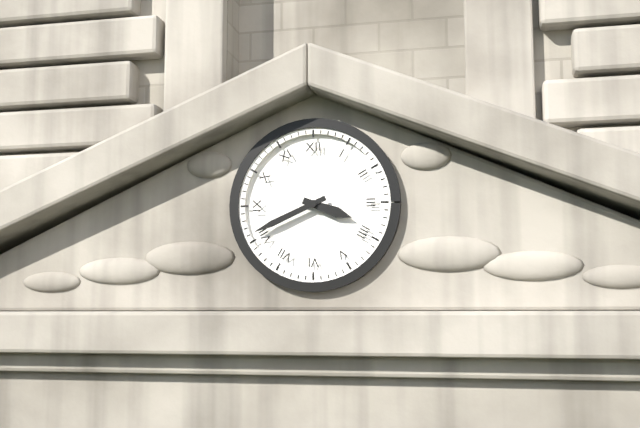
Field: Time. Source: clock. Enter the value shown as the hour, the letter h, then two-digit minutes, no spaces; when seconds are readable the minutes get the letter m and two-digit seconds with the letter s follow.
3h41
